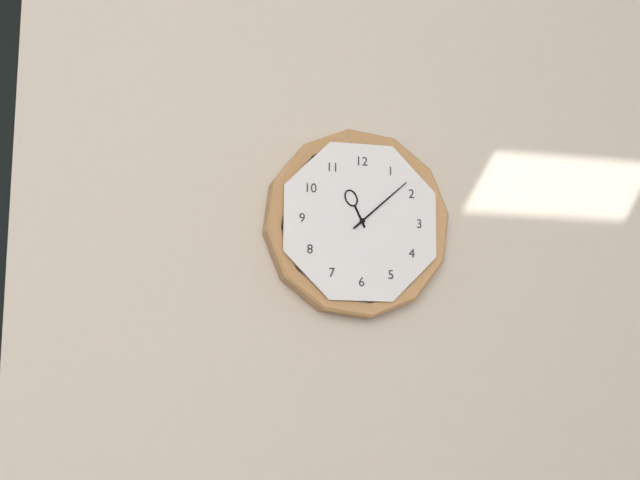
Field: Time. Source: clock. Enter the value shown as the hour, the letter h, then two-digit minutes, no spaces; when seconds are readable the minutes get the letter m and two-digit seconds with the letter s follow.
11h08
